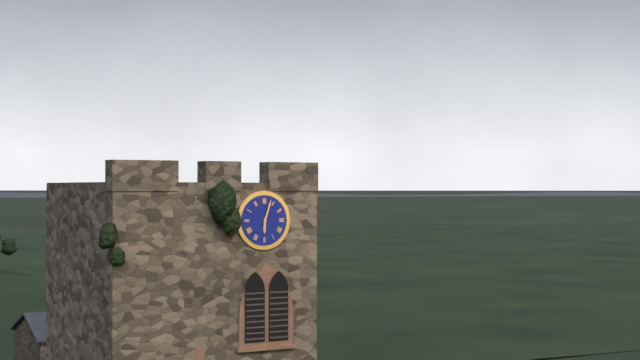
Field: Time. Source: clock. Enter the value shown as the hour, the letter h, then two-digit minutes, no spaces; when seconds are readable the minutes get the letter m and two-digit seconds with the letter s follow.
6h03
